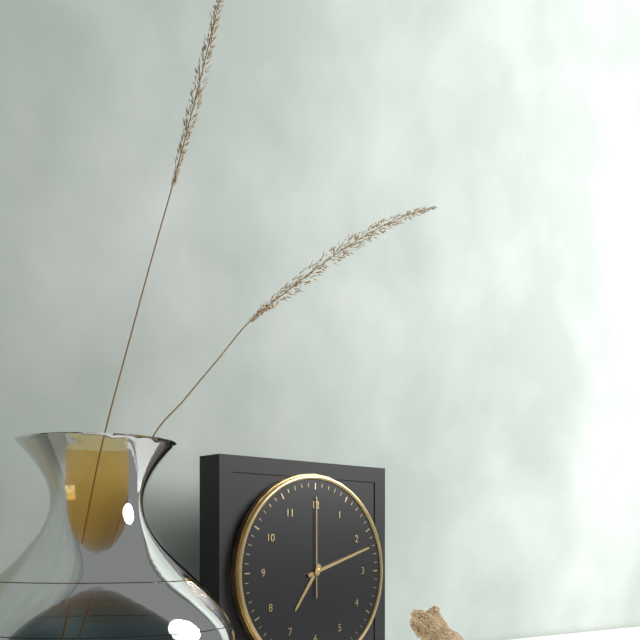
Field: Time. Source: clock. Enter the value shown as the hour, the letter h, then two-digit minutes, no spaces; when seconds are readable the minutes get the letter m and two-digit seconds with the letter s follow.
7h12m00s
